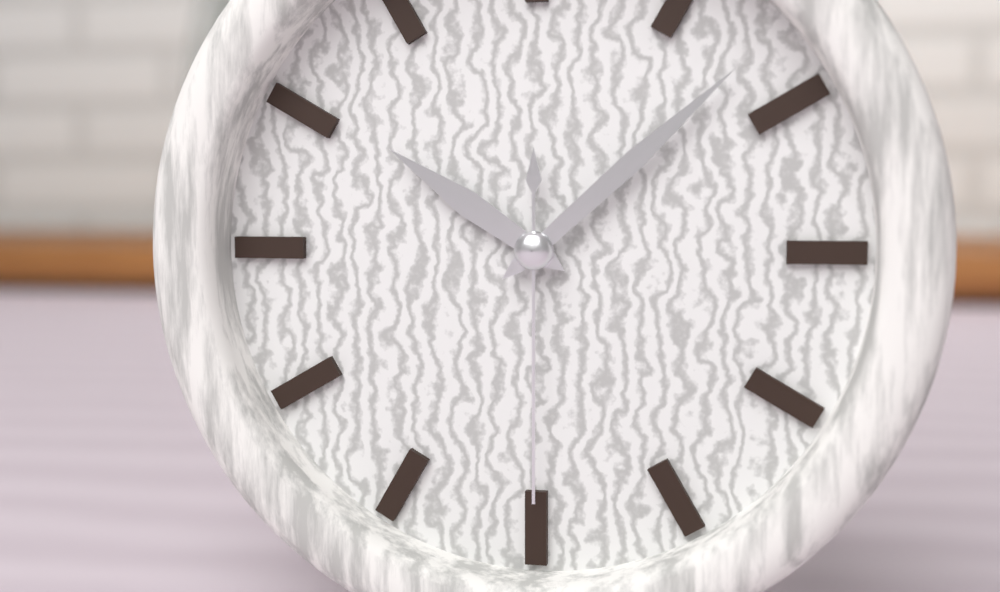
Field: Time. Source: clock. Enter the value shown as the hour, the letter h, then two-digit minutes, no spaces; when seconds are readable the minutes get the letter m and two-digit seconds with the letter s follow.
10h08m30s
